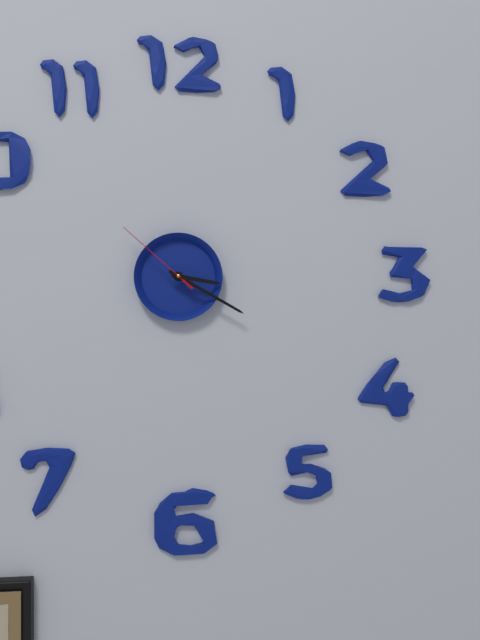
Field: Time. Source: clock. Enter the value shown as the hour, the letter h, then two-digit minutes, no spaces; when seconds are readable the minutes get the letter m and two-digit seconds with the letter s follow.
3h20m52s
